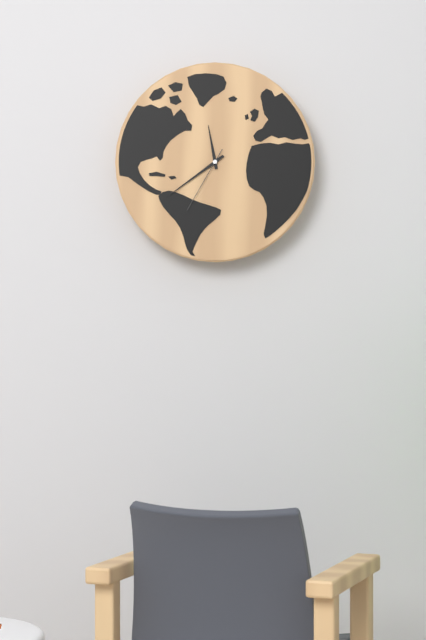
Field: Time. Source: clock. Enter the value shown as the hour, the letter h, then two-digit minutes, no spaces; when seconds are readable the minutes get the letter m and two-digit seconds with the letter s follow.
11h39m35s
